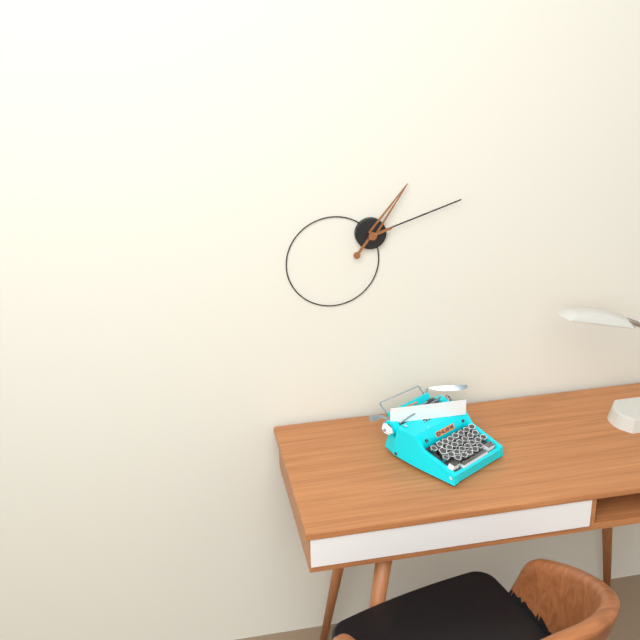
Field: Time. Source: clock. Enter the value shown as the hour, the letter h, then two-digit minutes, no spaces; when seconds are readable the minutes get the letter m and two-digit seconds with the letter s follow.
1h12
